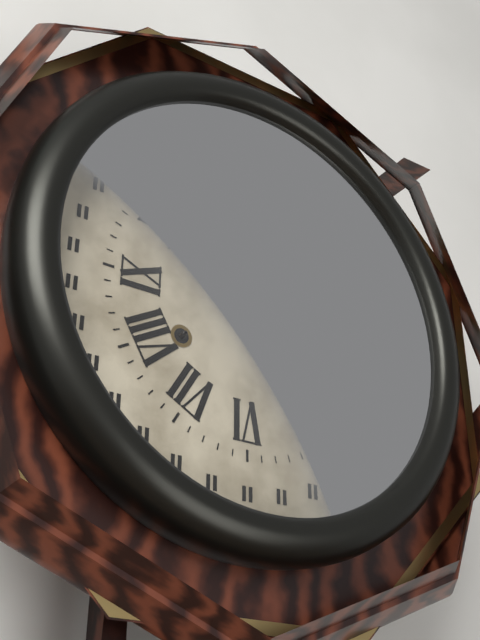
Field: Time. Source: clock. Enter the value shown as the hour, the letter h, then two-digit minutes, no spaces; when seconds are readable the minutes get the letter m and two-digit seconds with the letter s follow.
3h18
